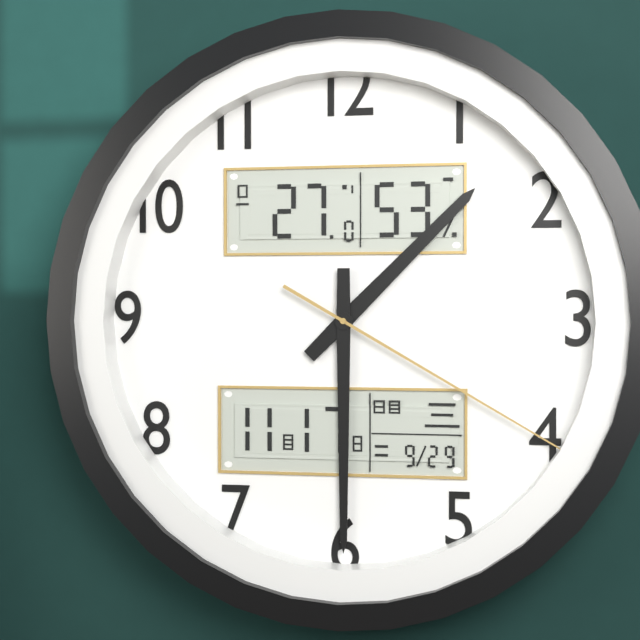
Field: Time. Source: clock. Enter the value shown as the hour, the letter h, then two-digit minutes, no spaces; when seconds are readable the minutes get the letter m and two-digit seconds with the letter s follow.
1h30m20s
